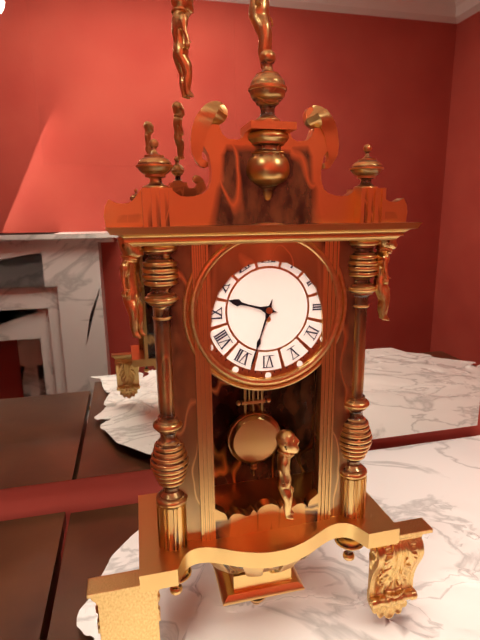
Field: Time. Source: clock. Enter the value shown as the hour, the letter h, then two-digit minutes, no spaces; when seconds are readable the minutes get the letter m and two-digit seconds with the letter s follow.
9h33
